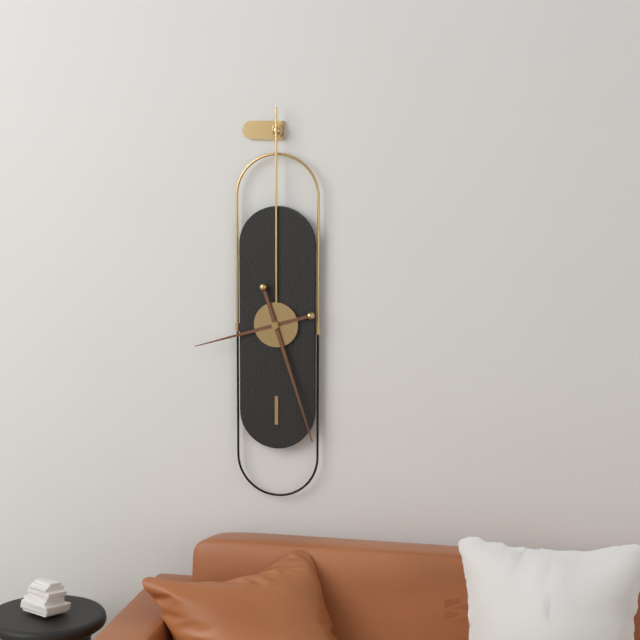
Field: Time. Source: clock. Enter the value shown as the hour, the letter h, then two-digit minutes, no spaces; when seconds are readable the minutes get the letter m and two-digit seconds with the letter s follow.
8h27
